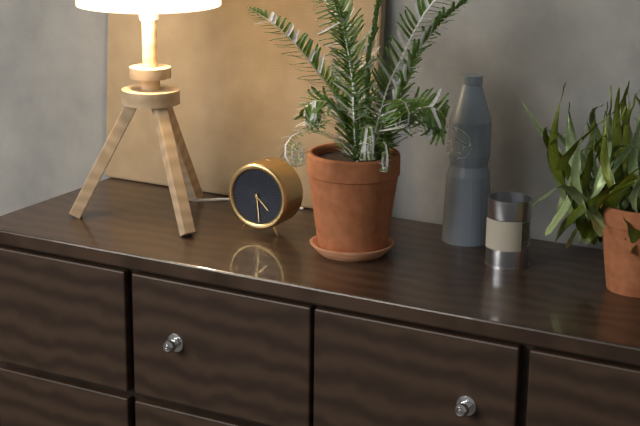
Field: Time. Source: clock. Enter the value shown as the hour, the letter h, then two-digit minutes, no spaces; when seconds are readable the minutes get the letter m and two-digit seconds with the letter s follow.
4h29
